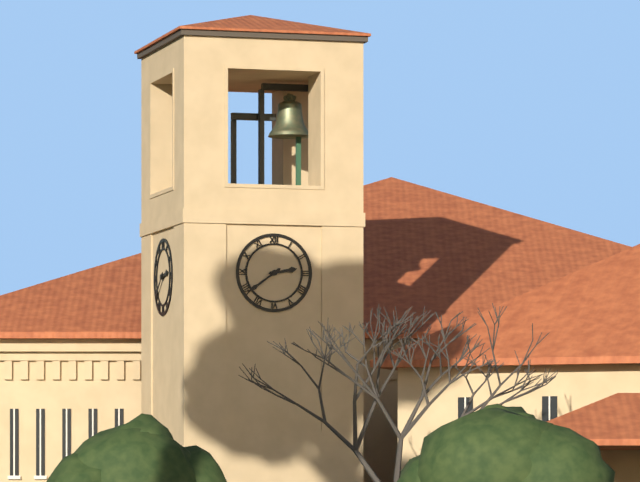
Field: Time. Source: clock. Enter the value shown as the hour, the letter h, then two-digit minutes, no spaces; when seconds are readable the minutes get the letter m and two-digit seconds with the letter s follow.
2h39
